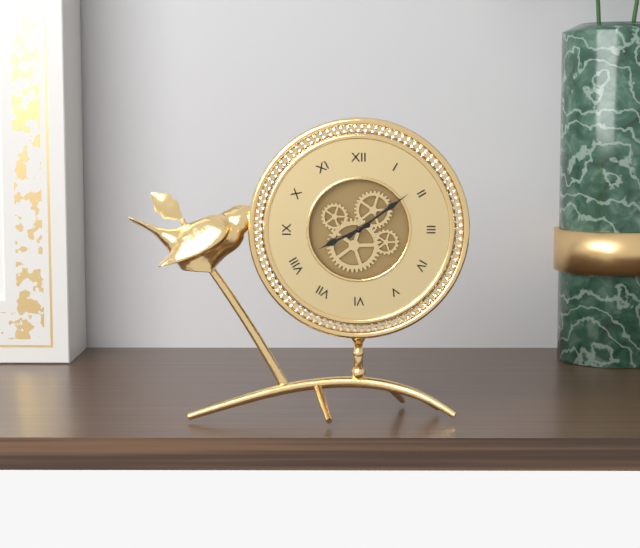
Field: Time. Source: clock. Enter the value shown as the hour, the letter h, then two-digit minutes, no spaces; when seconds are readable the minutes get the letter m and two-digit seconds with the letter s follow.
8h09
